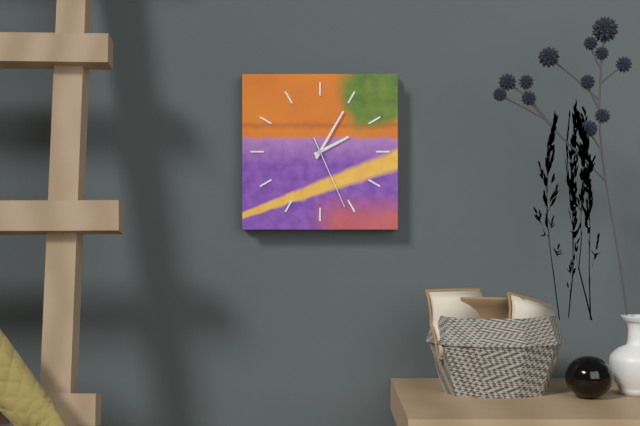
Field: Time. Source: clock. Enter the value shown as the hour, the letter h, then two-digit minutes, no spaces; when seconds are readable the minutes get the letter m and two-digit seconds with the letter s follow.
2h05m26s
